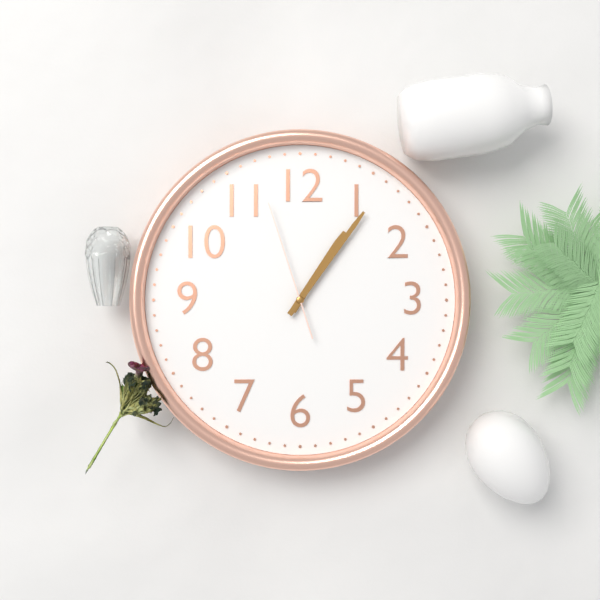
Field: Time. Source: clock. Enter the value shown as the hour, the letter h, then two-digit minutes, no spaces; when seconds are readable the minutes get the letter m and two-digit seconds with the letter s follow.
1h06m57s
